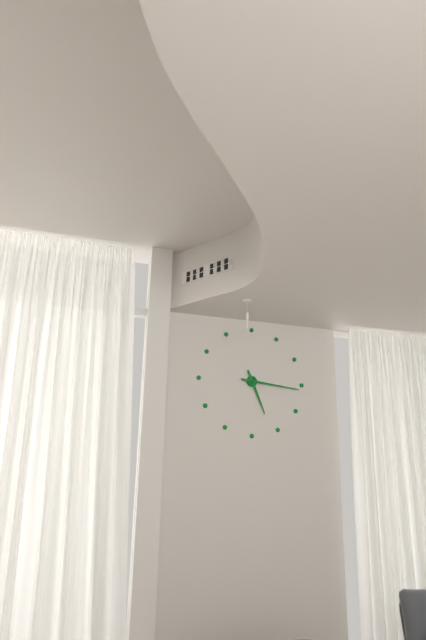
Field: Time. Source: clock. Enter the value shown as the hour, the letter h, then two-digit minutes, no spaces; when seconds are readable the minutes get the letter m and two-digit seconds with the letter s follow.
5h16
